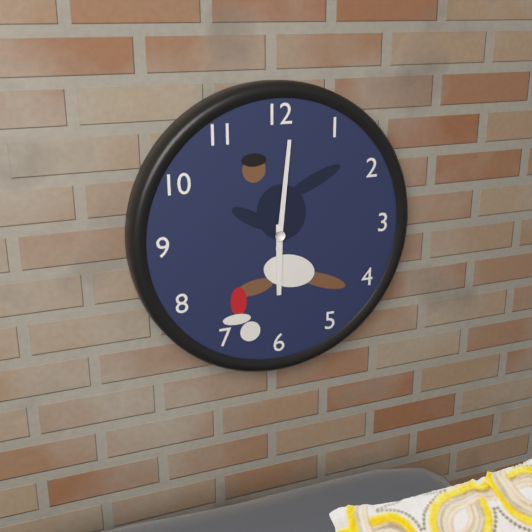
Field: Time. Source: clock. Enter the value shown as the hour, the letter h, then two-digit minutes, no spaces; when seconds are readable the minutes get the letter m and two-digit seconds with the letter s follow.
6h01
